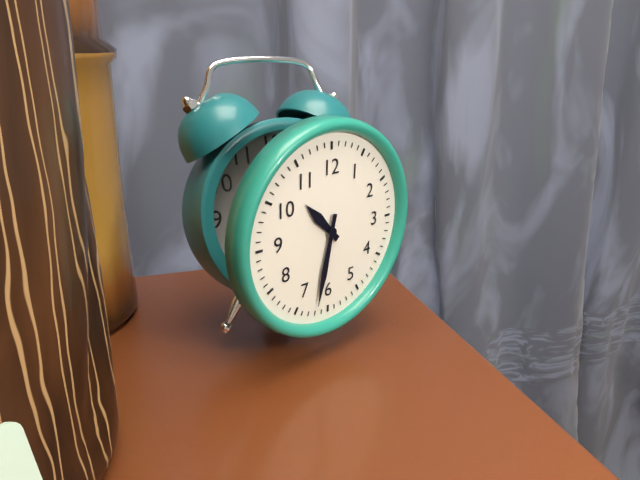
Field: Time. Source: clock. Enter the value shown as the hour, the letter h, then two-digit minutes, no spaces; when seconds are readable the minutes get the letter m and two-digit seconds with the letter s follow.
10h32
